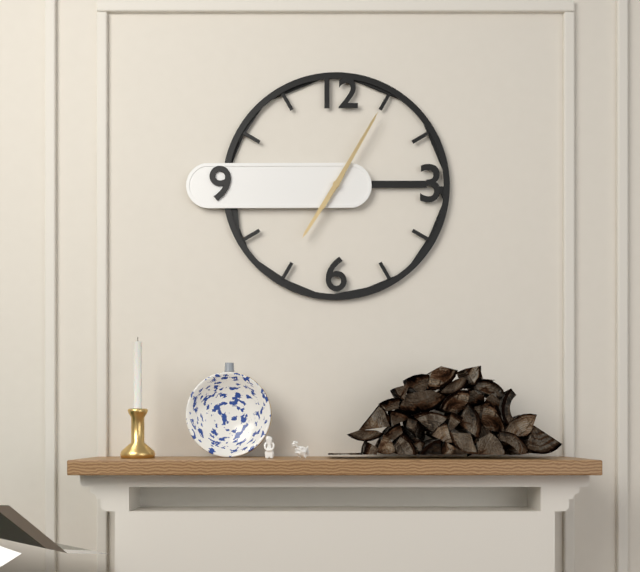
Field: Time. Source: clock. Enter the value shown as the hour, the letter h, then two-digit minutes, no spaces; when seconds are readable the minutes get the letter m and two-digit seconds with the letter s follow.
7h05
